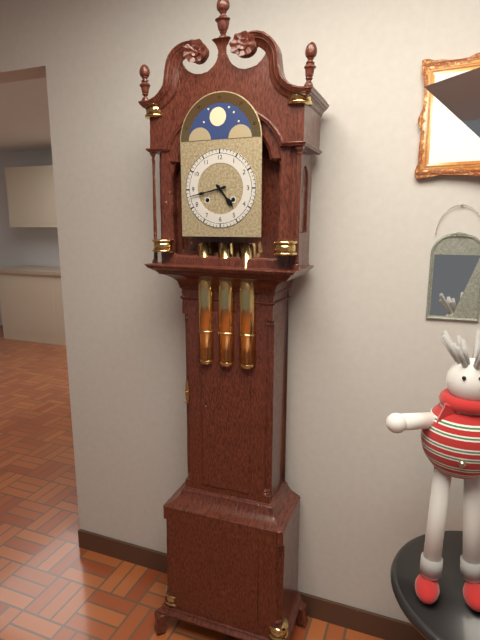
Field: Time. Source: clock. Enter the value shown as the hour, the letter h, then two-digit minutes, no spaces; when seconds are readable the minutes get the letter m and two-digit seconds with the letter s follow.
4h43
